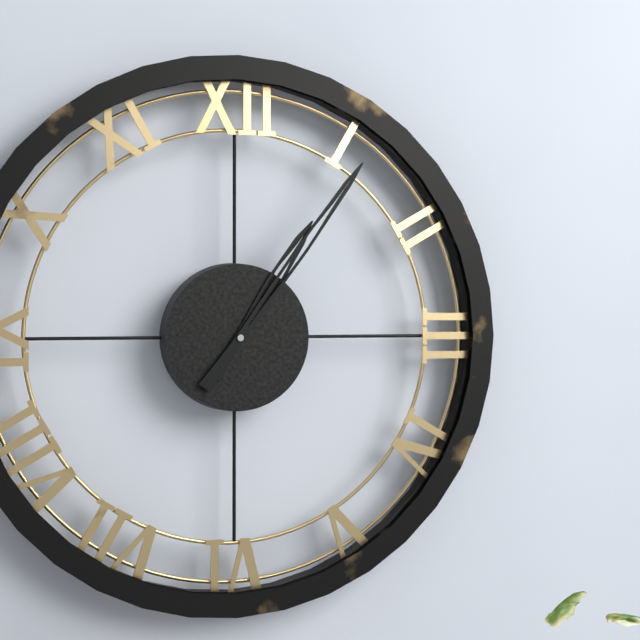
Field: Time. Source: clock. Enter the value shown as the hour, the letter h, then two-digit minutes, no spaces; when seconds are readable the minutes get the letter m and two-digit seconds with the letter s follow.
1h06
